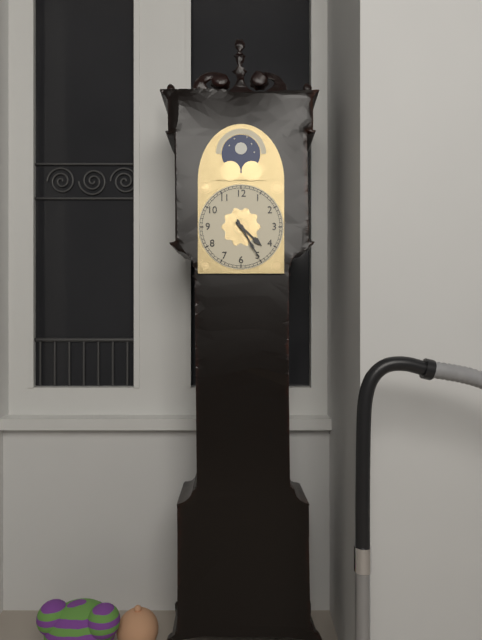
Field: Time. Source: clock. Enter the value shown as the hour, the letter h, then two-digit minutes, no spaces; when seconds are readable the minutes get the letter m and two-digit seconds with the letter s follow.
4h25
